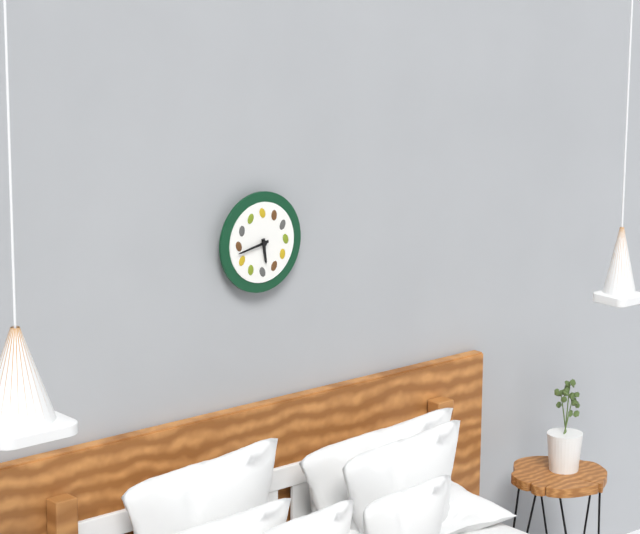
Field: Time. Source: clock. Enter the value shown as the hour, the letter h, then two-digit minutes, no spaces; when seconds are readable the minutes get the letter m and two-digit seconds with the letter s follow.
5h43
